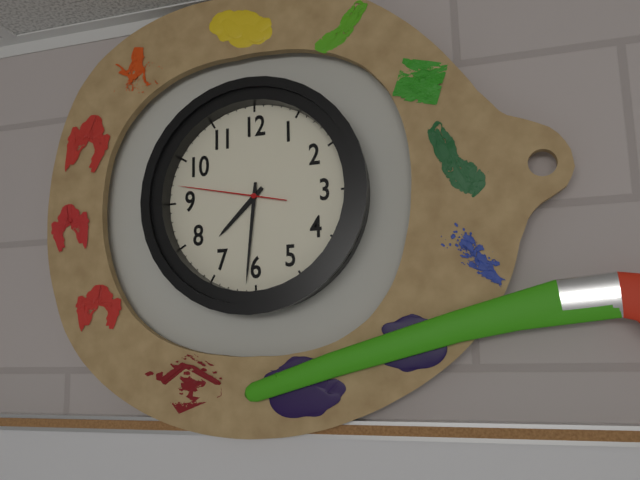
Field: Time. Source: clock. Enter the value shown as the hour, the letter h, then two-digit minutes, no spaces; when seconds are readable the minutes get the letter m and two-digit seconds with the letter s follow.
7h31m47s
